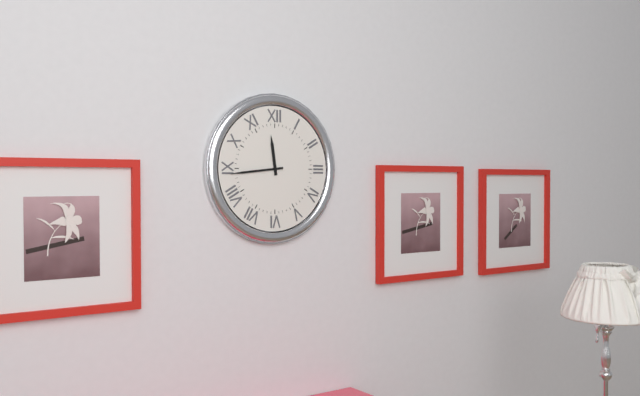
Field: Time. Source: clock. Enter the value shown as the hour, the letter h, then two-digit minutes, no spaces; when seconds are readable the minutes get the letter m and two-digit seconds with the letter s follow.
11h44
